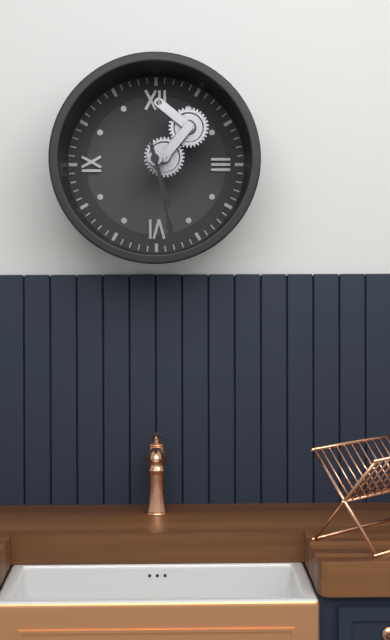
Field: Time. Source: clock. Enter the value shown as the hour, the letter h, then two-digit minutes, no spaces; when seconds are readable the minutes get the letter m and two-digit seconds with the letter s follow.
5h28
